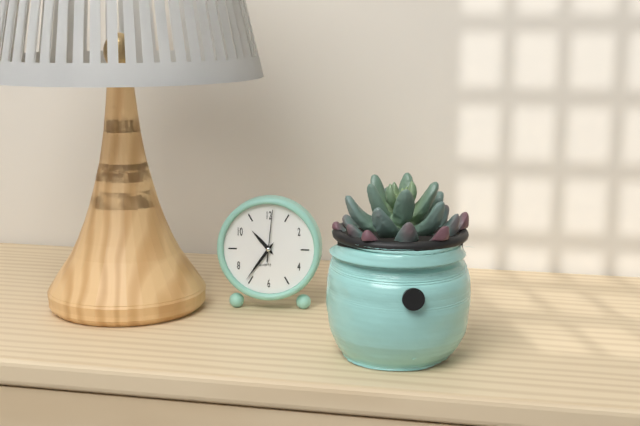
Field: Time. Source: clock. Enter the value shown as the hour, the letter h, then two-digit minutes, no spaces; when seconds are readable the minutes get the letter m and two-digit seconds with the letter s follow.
10h36
